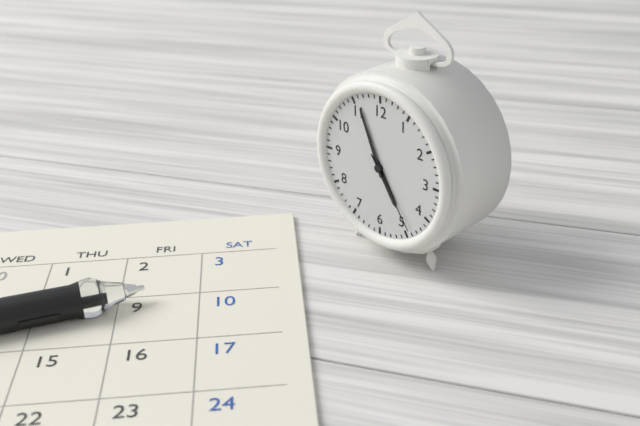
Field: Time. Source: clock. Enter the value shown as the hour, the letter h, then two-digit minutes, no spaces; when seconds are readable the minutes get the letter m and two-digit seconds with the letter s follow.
4h56m24s
